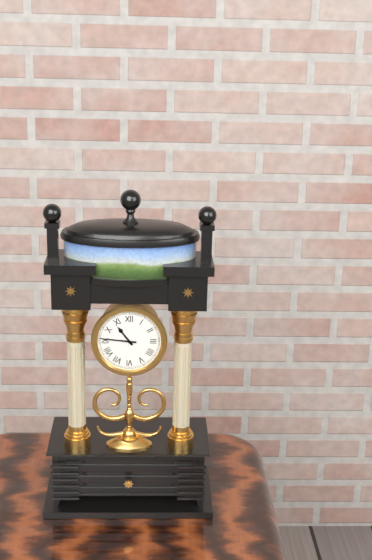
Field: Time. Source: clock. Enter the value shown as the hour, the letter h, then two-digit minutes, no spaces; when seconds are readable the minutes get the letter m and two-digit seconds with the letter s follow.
10h46
